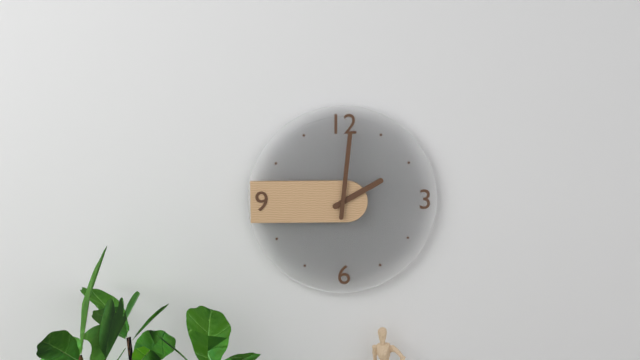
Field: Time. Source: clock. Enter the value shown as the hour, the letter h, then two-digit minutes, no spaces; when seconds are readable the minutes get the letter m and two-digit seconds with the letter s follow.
2h01
